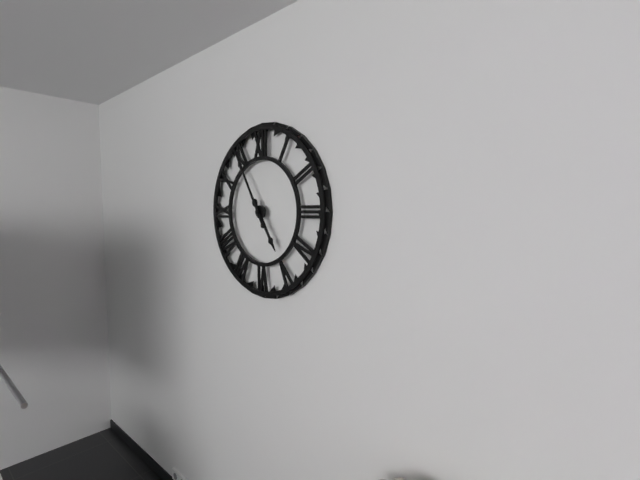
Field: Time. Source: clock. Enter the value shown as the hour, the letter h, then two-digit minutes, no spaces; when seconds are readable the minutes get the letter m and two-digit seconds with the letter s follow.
4h55
